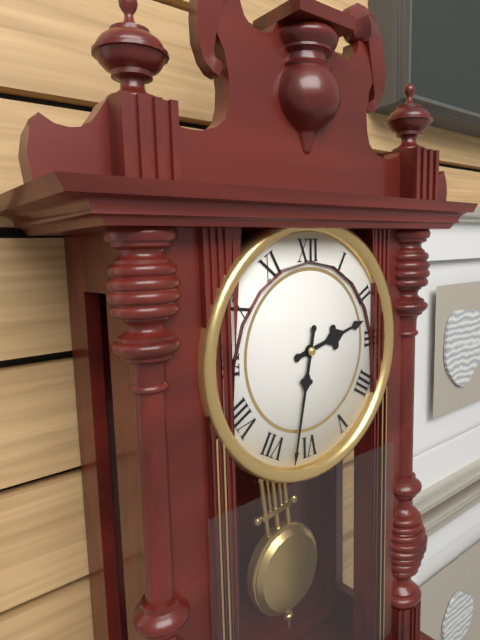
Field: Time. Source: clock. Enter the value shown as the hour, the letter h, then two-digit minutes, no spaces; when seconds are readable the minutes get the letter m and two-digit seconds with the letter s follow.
2h32
